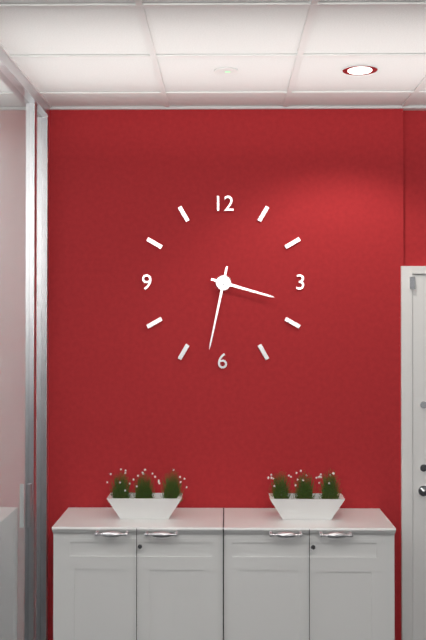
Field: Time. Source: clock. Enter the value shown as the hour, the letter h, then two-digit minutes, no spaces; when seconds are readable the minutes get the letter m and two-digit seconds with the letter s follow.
3h32
